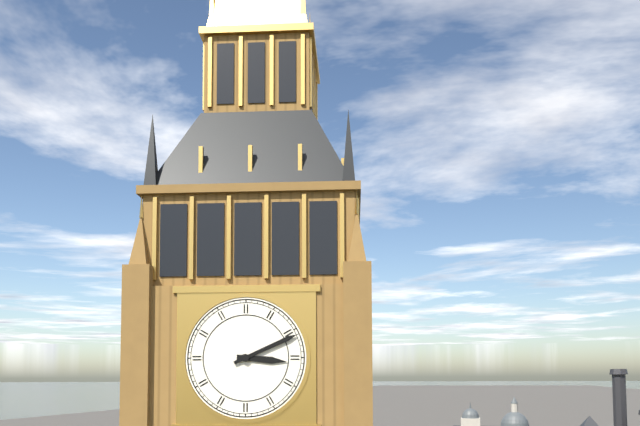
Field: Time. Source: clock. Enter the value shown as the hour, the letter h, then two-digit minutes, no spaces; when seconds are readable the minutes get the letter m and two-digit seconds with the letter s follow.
3h11
